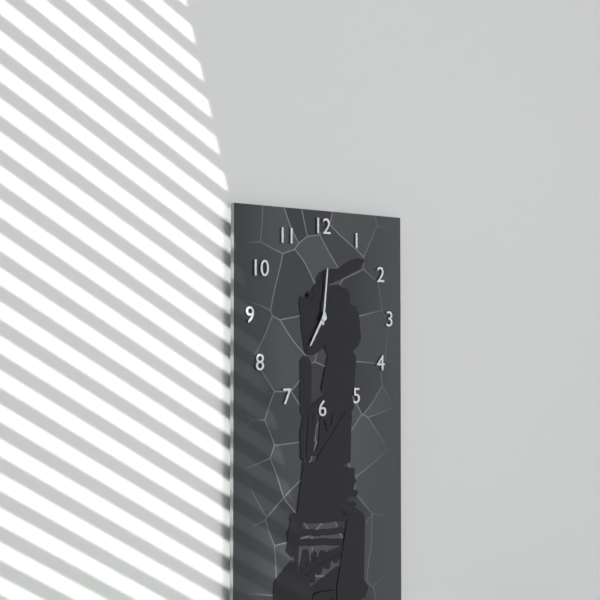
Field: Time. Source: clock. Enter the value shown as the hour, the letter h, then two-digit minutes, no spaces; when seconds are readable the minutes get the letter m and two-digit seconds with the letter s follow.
7h01
